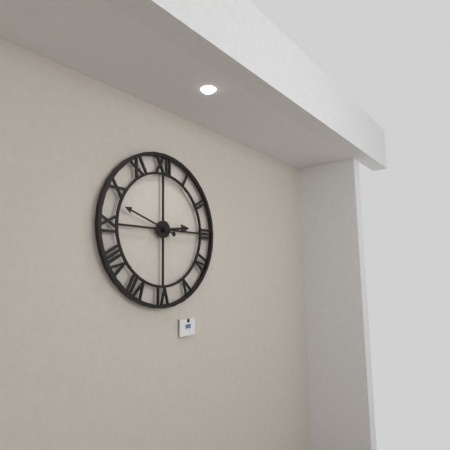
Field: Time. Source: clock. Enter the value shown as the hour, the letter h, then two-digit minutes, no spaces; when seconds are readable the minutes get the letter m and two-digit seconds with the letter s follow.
2h48
